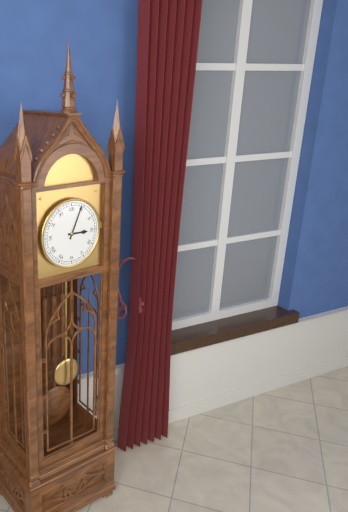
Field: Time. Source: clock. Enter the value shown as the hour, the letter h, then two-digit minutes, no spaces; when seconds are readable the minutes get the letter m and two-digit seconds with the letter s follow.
3h04
